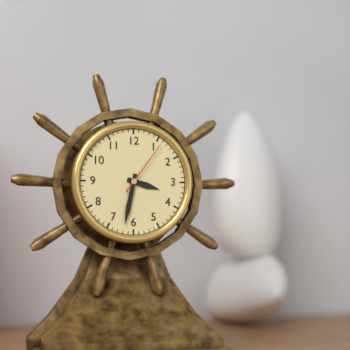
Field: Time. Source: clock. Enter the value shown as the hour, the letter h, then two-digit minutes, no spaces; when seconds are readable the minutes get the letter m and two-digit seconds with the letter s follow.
3h32m06s
